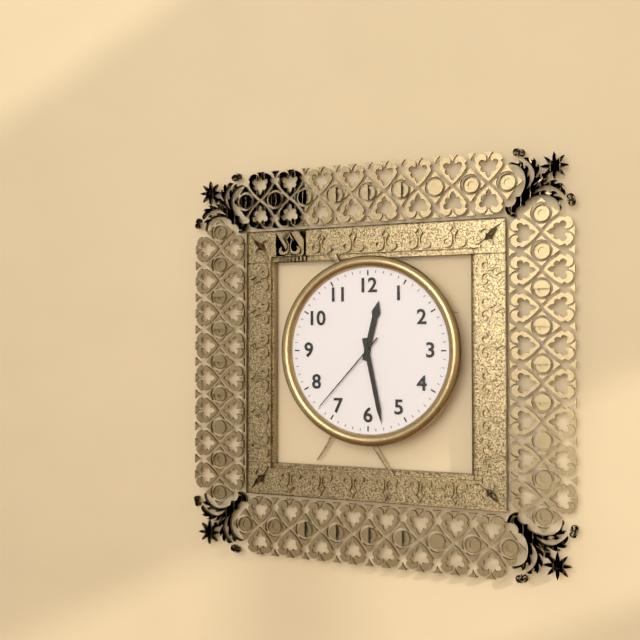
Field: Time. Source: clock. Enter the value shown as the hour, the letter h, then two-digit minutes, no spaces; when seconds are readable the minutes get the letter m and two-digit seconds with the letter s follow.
12h28m37s
